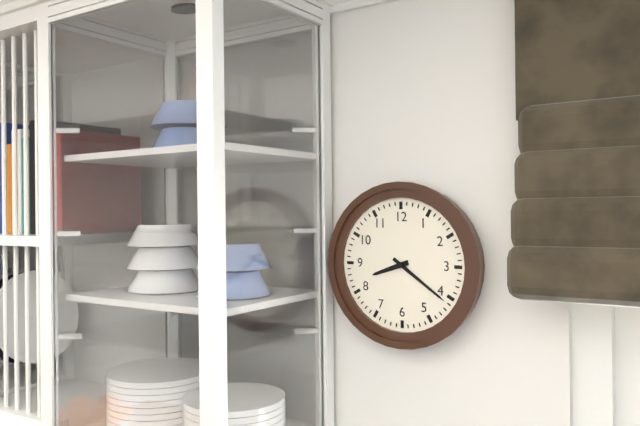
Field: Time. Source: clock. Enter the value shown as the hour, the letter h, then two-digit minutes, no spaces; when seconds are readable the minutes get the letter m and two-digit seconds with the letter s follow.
8h21
